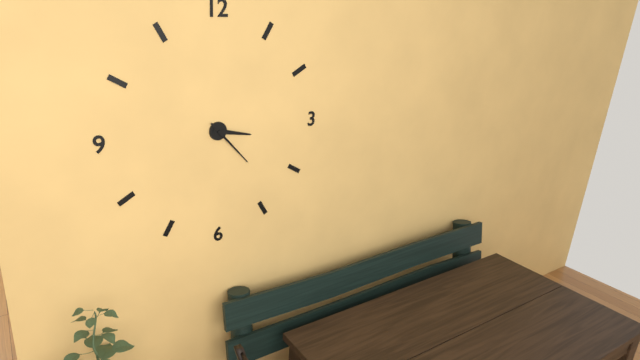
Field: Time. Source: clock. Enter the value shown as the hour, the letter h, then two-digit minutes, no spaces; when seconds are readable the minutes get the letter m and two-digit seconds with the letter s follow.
3h23
